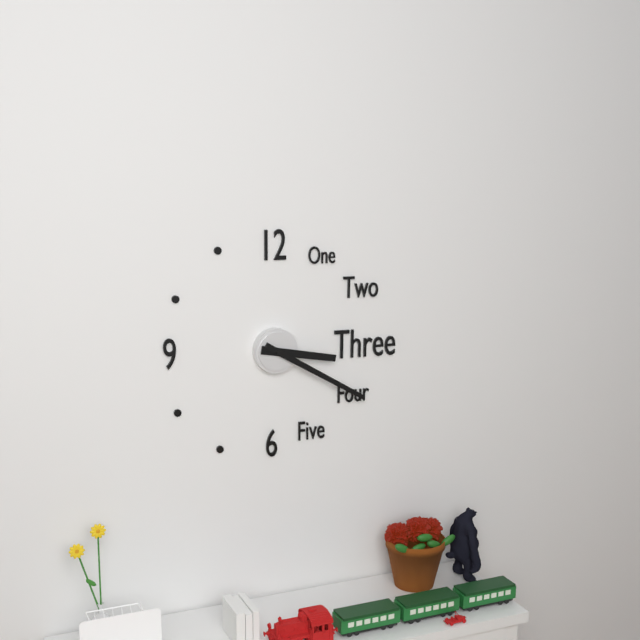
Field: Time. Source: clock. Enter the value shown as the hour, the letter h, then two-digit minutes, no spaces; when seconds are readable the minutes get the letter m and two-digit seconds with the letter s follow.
3h20
